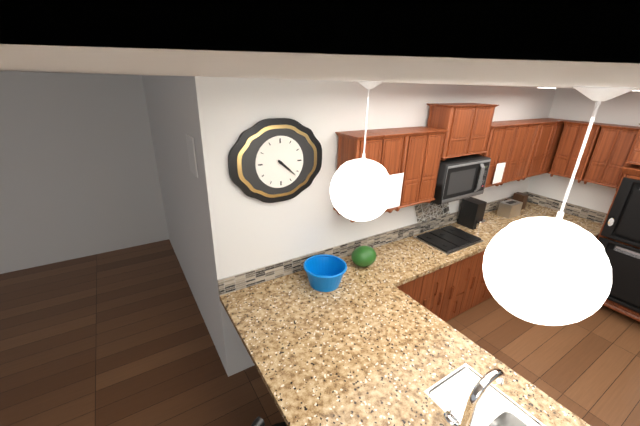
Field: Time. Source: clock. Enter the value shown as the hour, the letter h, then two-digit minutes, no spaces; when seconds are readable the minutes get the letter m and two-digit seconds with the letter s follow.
4h22
